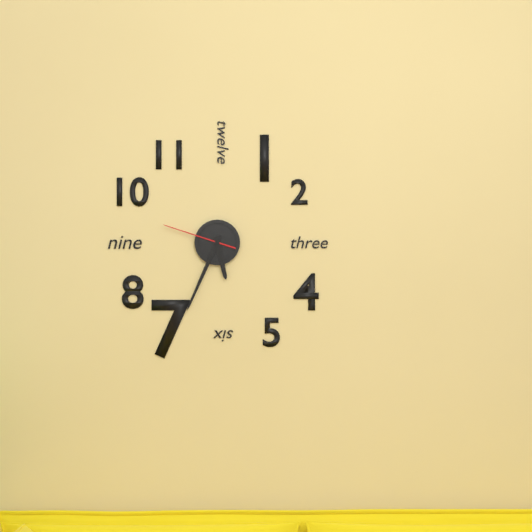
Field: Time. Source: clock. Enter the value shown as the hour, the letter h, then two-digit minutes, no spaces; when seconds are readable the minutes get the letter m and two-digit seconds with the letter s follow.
5h34m48s
